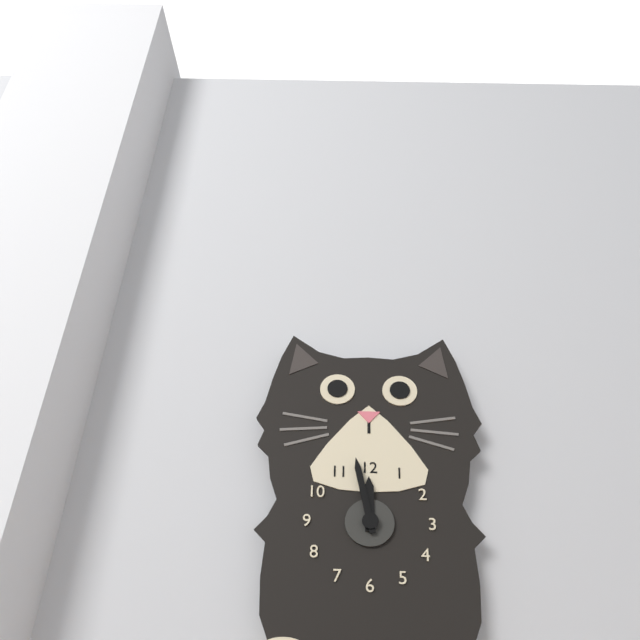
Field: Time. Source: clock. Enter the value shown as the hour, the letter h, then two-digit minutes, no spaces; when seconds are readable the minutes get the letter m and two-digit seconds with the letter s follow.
11h58
